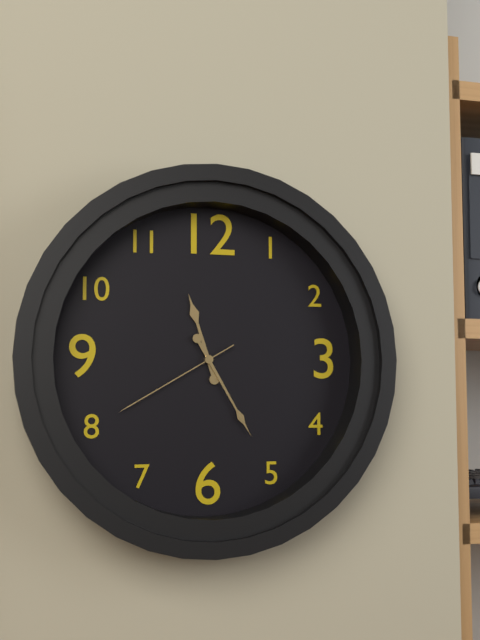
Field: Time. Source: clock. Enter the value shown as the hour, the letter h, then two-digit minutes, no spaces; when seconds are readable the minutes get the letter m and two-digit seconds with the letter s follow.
11h25m40s
